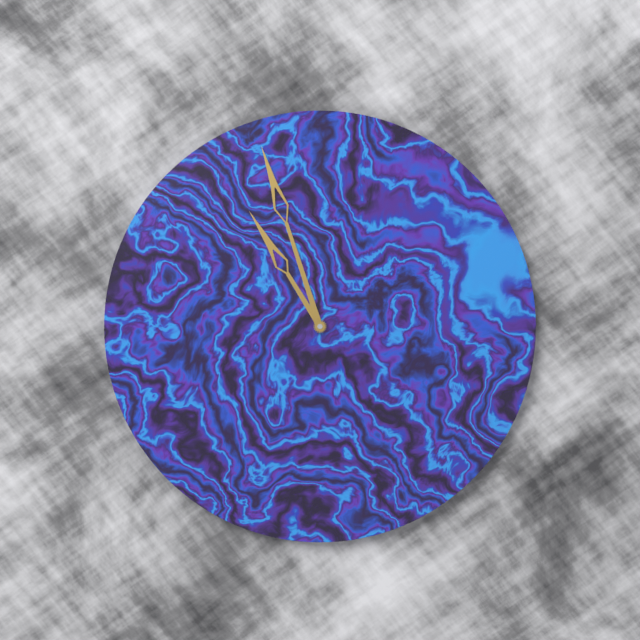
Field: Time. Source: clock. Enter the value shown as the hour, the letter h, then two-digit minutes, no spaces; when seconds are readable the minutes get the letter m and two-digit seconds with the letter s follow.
10h57
